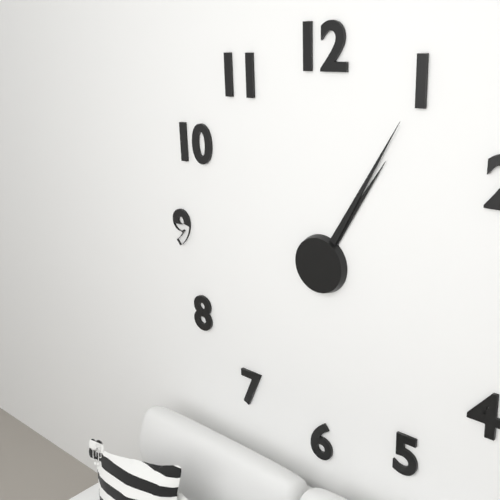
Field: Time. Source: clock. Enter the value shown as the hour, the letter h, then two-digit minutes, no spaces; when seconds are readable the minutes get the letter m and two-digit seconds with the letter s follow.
1h05
